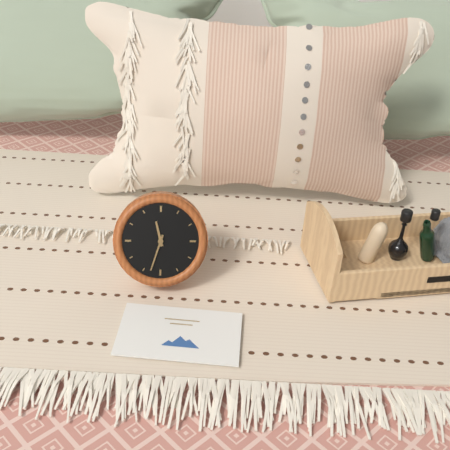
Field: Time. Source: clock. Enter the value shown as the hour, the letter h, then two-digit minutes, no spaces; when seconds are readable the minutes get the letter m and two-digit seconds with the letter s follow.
11h33
